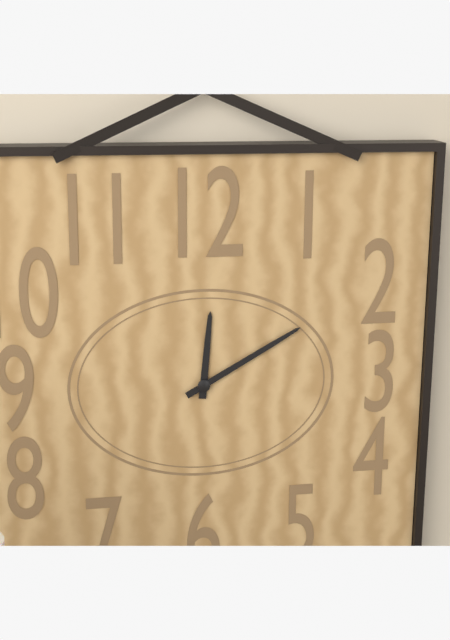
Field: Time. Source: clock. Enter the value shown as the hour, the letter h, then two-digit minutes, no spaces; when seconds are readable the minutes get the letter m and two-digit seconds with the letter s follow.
12h10
